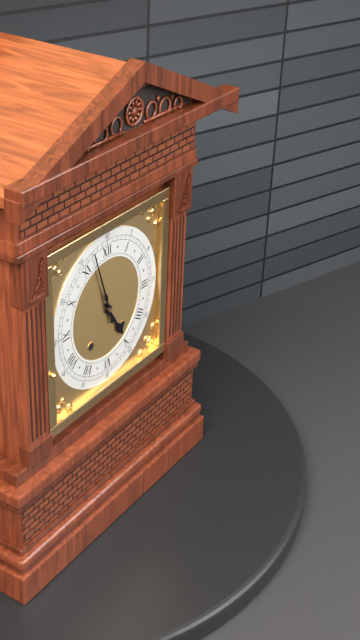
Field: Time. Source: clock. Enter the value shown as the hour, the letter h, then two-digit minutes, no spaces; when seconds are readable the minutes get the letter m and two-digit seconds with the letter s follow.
4h57
